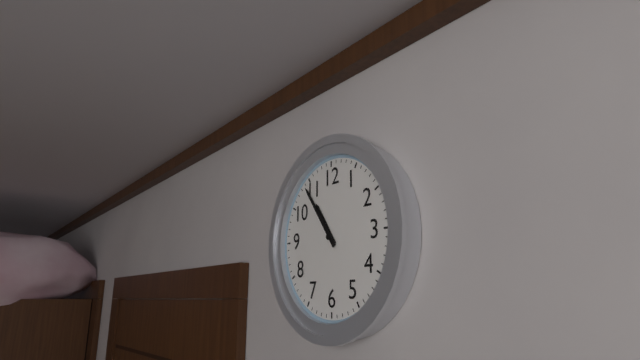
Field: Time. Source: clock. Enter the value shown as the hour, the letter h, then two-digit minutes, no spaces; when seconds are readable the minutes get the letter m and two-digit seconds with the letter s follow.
10h54
